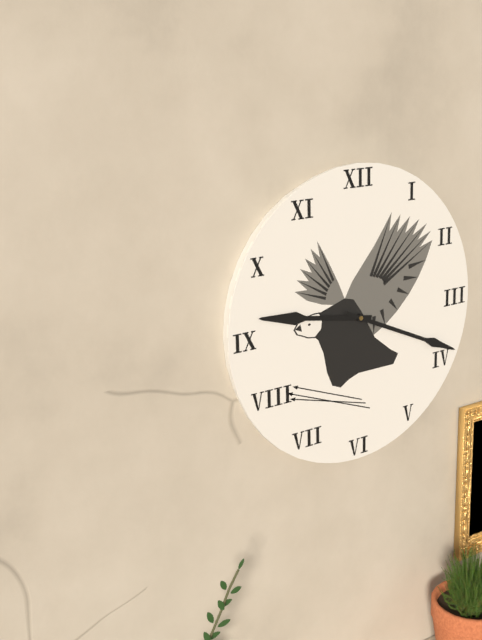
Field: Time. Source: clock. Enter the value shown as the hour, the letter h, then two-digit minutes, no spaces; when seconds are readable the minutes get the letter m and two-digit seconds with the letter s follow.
9h19
